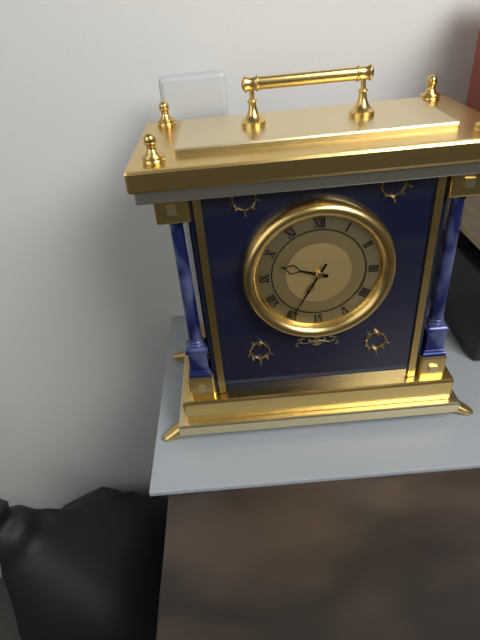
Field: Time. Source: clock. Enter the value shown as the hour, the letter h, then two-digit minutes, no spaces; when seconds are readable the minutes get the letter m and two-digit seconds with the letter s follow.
9h35
